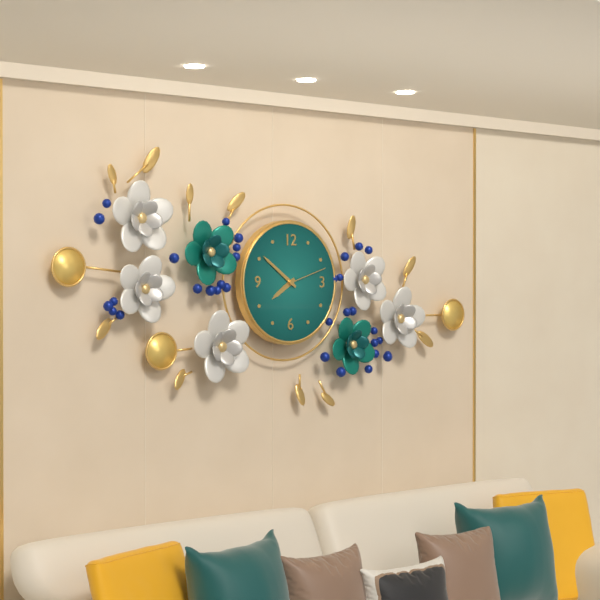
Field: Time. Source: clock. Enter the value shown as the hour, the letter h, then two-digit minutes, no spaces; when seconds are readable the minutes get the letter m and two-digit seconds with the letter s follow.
7h51
